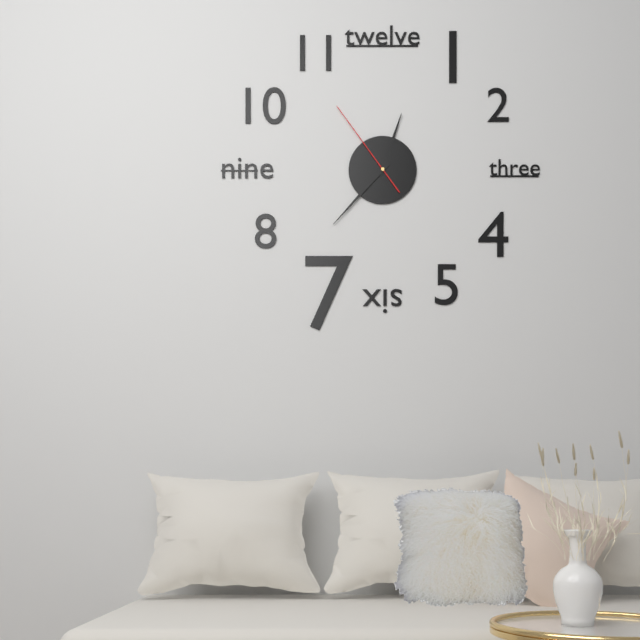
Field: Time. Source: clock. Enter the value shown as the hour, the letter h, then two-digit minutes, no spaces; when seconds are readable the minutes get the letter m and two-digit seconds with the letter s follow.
12h37m54s
